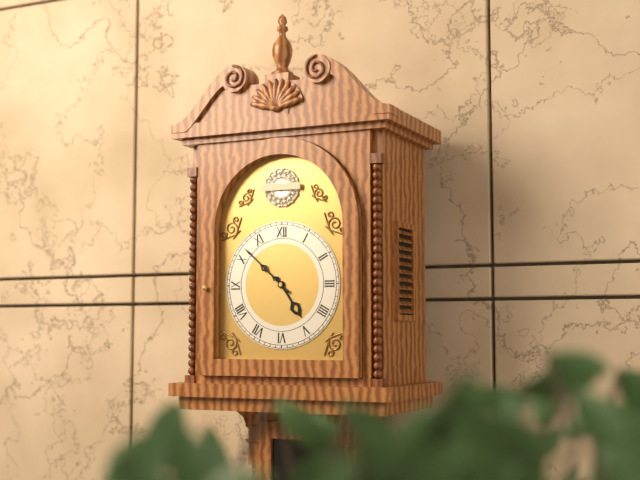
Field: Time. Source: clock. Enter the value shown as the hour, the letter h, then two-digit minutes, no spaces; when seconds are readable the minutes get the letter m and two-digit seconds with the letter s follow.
4h52
